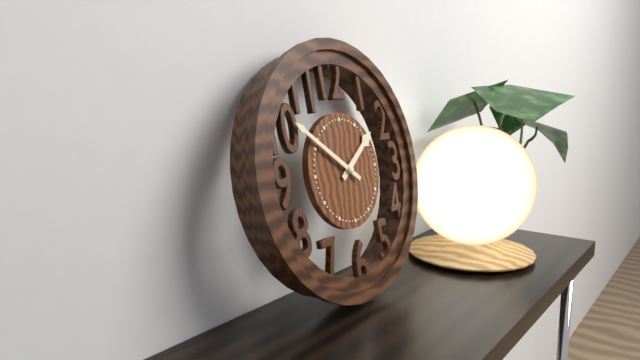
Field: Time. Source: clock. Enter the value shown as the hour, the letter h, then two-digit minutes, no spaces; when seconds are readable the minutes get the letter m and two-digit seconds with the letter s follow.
1h51
